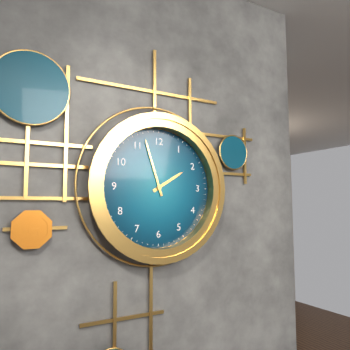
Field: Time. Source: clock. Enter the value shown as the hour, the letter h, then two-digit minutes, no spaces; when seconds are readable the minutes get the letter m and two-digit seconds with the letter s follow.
1h57
